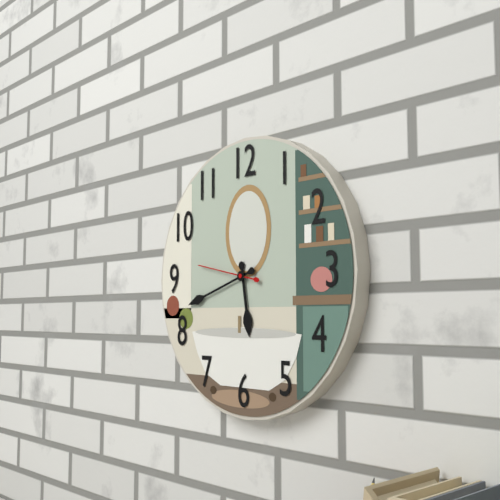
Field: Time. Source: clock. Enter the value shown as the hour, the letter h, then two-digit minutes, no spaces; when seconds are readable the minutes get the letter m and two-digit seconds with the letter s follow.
5h42m47s
